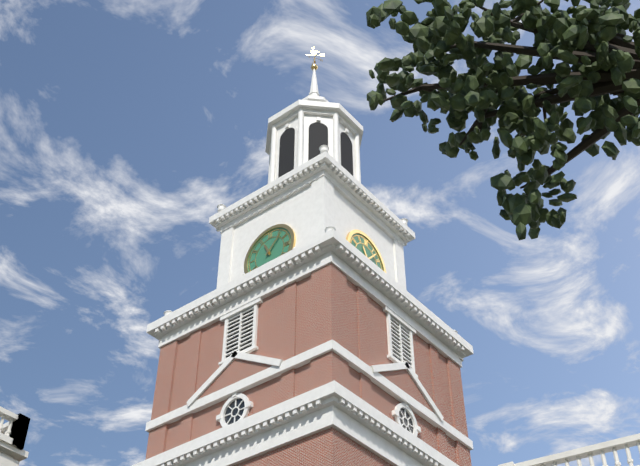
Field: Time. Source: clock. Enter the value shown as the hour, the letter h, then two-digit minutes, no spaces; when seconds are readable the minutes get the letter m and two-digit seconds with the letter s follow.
11h07
